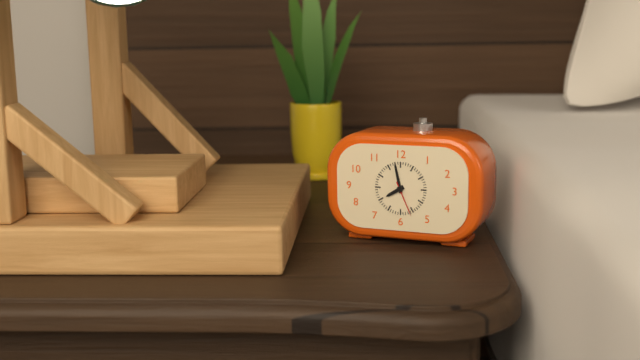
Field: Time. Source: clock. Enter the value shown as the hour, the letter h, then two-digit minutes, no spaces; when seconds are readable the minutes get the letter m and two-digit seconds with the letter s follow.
7h58
